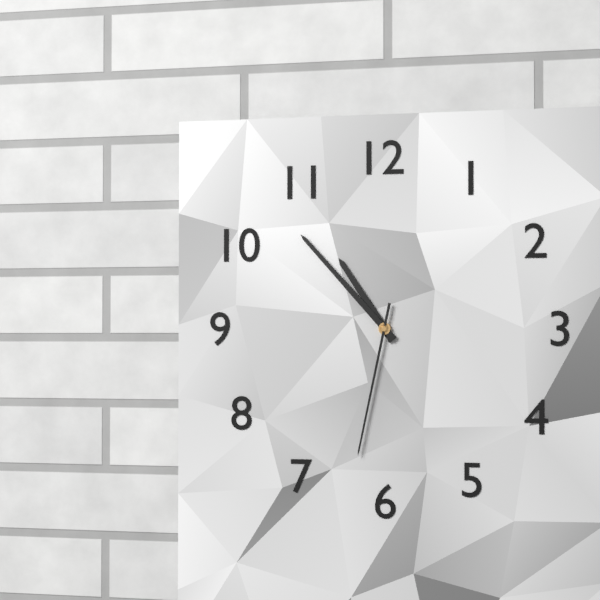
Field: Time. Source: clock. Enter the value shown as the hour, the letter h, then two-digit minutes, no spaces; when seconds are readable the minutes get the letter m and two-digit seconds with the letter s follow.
10h53m32s
